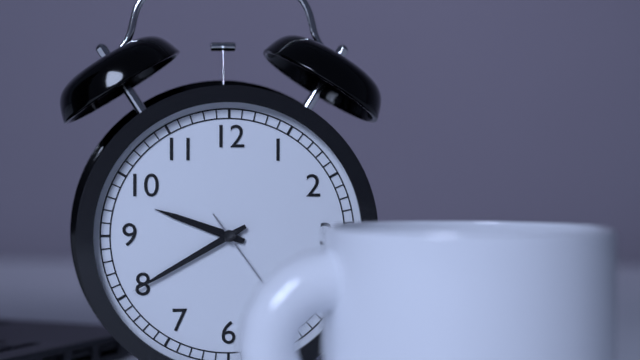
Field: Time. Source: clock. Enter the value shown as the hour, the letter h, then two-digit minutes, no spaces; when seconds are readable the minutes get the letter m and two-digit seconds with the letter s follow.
9h40
